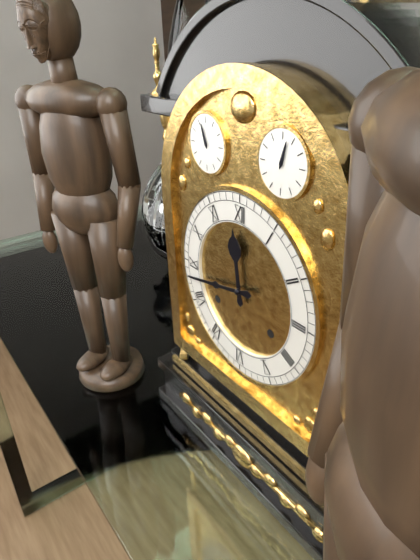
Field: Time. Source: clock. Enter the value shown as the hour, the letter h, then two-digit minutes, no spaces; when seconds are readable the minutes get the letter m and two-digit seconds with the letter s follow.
11h43
